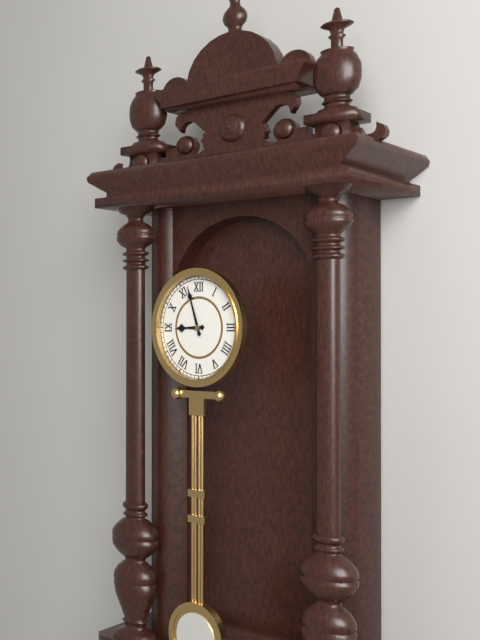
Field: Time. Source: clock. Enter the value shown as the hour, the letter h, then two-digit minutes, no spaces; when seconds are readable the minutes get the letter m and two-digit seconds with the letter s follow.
8h57
